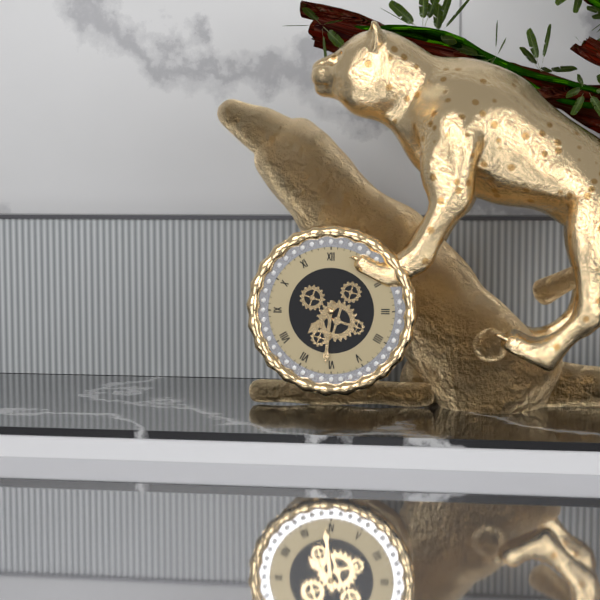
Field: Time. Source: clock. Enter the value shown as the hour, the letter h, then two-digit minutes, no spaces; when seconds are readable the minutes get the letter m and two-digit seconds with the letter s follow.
7h31
